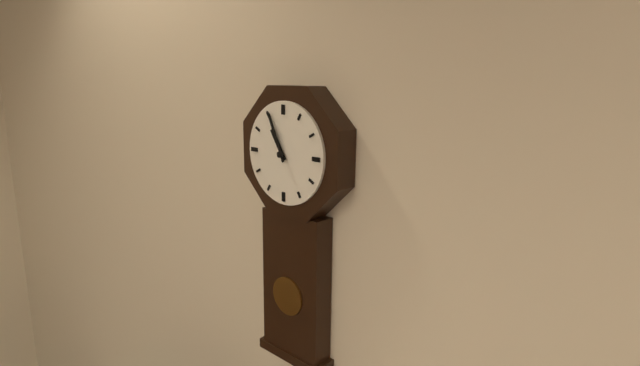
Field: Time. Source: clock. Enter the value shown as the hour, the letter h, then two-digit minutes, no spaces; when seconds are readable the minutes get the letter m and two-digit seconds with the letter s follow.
10h56
